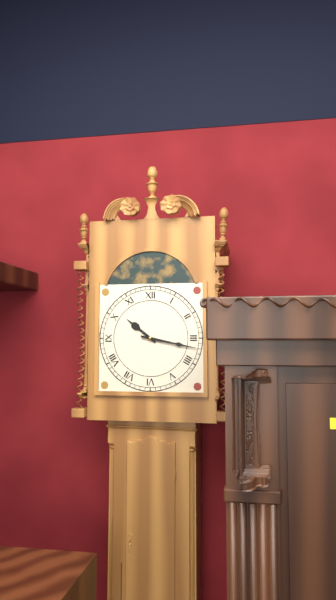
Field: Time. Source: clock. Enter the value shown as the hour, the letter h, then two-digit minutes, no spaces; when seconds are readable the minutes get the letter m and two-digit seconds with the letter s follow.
10h17
